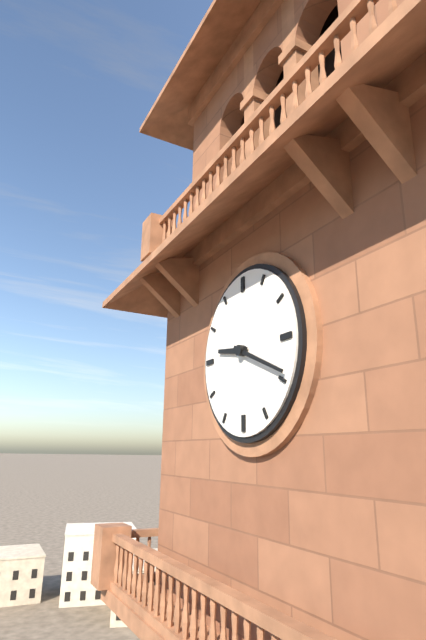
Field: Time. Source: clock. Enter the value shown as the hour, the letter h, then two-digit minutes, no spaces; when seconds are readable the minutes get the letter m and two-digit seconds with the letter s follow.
9h19
